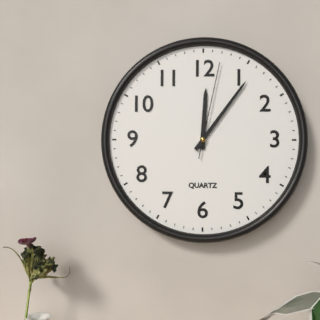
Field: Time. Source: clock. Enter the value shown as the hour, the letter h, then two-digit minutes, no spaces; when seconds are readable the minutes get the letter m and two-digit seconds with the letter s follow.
12h06m02s
